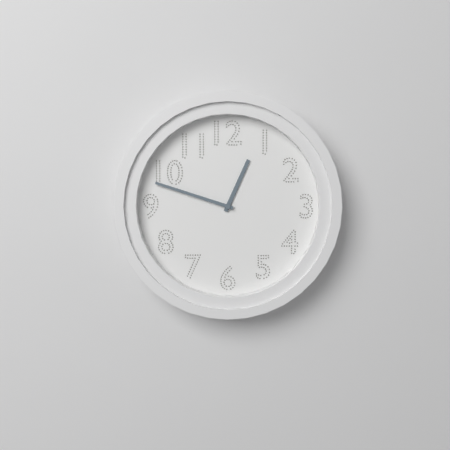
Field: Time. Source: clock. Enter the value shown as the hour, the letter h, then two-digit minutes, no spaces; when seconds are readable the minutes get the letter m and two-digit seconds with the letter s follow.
12h48
